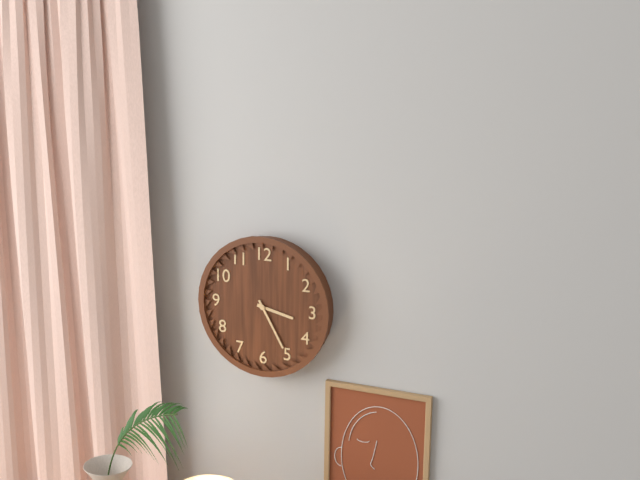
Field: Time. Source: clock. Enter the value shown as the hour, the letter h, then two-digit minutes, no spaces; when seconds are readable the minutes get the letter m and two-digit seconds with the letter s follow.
3h25
